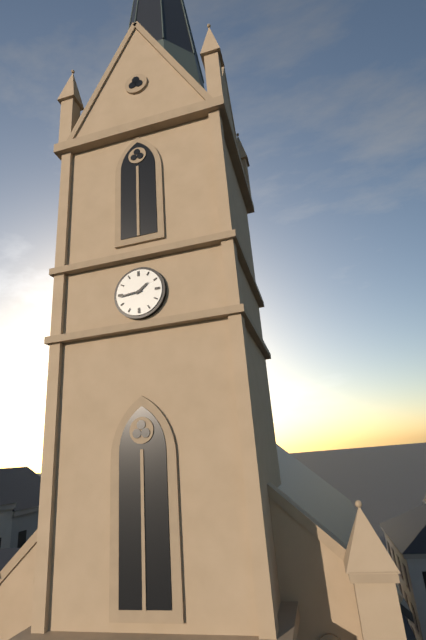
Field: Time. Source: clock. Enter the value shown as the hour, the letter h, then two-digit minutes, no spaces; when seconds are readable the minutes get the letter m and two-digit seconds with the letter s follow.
1h44
